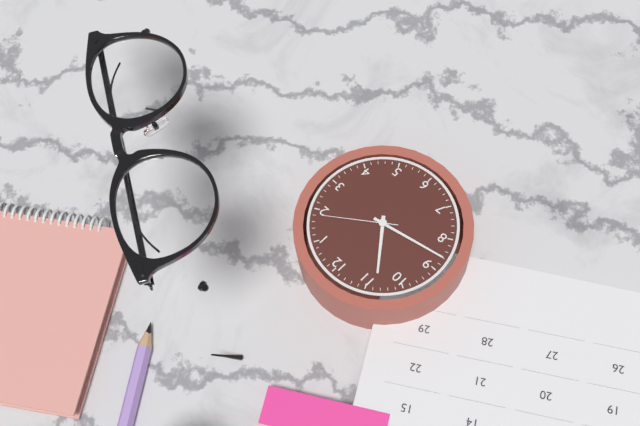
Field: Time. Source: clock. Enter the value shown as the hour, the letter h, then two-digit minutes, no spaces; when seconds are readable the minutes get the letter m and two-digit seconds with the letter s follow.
10h43m09s
